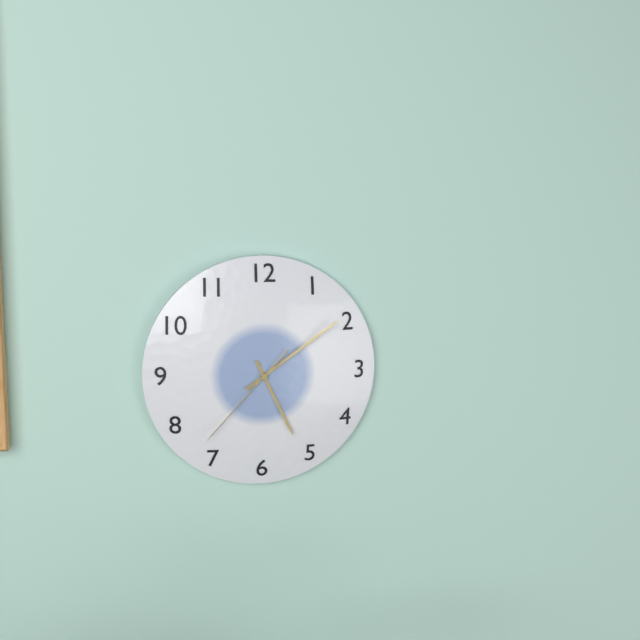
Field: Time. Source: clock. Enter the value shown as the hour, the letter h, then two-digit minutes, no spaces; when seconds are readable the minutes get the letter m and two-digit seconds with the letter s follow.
5h09m37s
